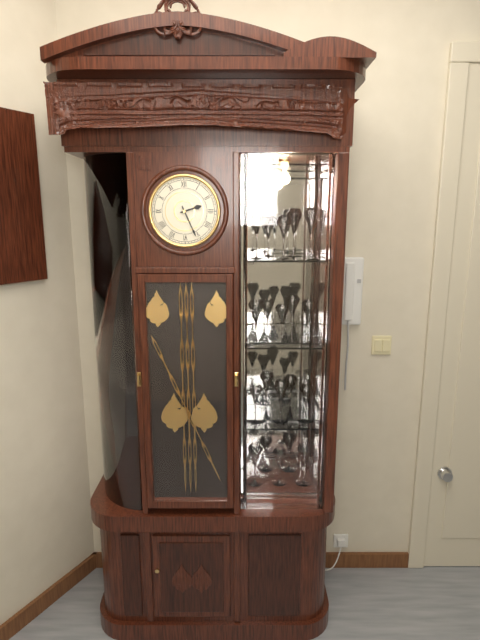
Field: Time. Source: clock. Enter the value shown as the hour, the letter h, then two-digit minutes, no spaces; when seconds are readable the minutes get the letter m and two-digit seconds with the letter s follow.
2h26
